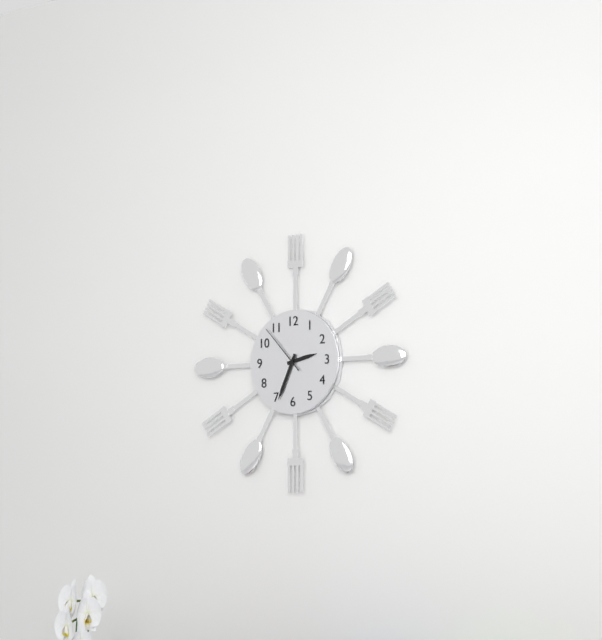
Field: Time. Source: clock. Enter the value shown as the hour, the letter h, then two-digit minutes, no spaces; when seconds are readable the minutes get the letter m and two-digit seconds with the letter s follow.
2h34m53s
